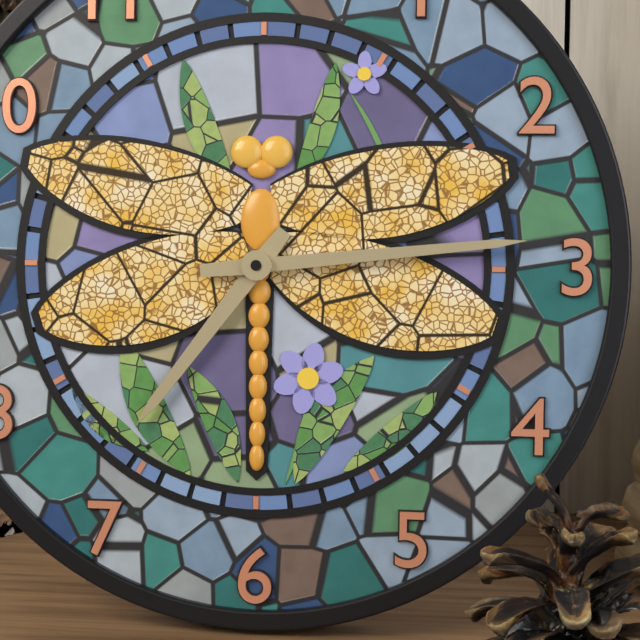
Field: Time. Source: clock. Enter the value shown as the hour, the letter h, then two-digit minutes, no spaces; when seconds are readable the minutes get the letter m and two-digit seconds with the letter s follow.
7h14
